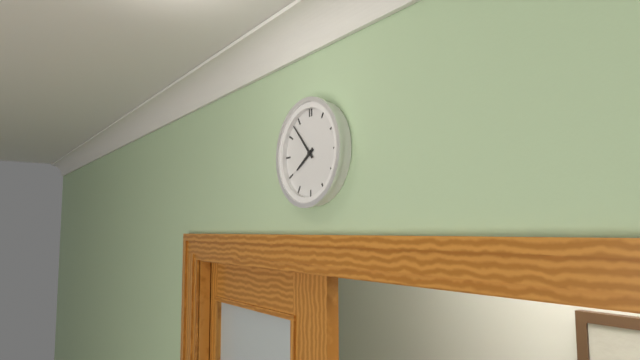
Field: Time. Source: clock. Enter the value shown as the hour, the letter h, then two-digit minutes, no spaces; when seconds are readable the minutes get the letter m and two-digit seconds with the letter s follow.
7h53
